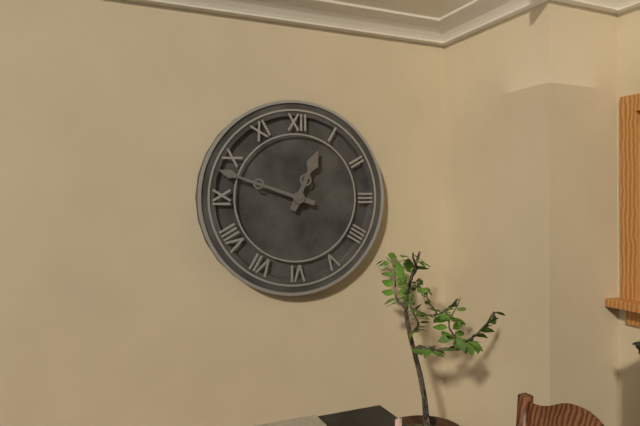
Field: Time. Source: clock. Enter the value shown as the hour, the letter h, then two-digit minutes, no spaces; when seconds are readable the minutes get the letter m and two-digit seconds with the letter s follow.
12h48
